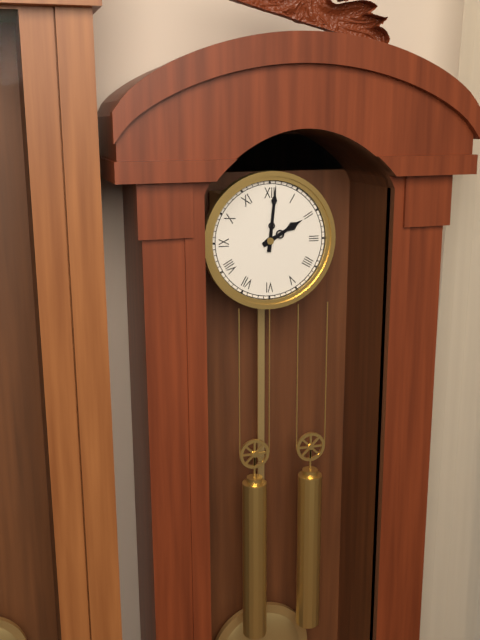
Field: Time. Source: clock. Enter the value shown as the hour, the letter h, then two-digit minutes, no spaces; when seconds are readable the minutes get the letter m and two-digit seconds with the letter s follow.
2h01
